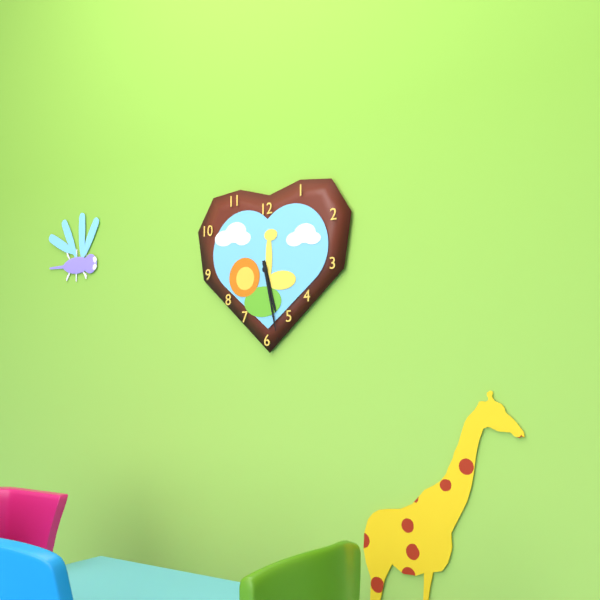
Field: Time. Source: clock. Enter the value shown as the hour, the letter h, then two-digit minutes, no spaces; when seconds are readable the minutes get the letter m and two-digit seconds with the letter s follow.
5h28
